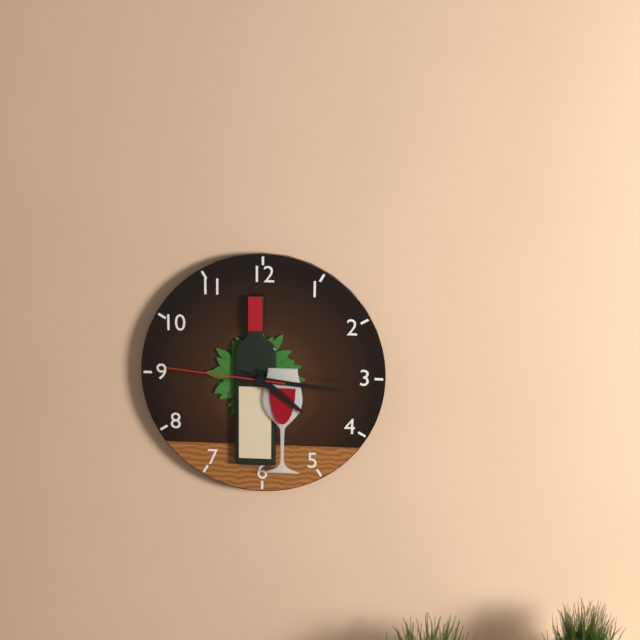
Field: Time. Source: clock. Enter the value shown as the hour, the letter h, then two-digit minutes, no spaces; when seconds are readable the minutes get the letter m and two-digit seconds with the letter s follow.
4h16m46s
